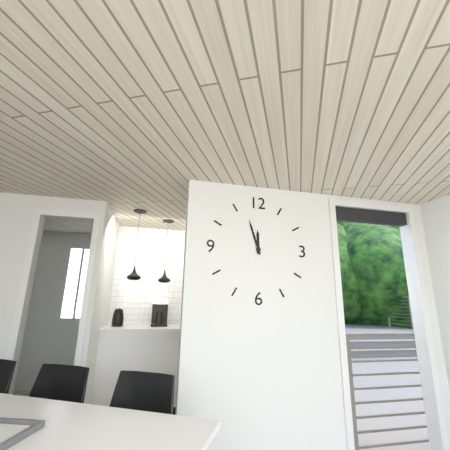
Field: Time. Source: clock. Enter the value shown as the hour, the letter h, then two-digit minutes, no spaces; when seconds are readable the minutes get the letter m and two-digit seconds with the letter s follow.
11h57
